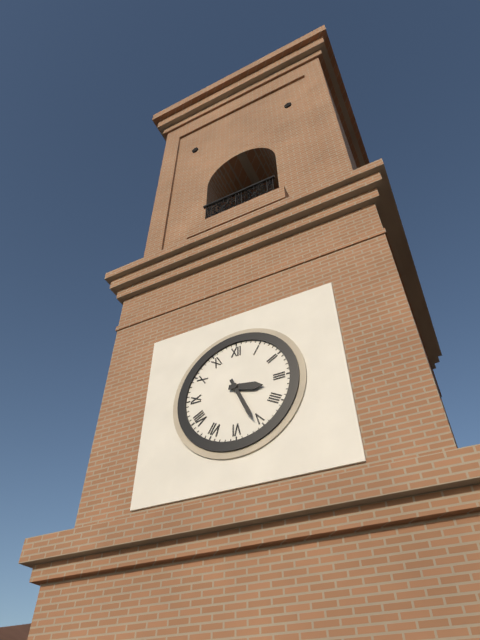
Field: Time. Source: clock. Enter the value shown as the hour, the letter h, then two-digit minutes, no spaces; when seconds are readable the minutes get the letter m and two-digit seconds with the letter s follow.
3h26
